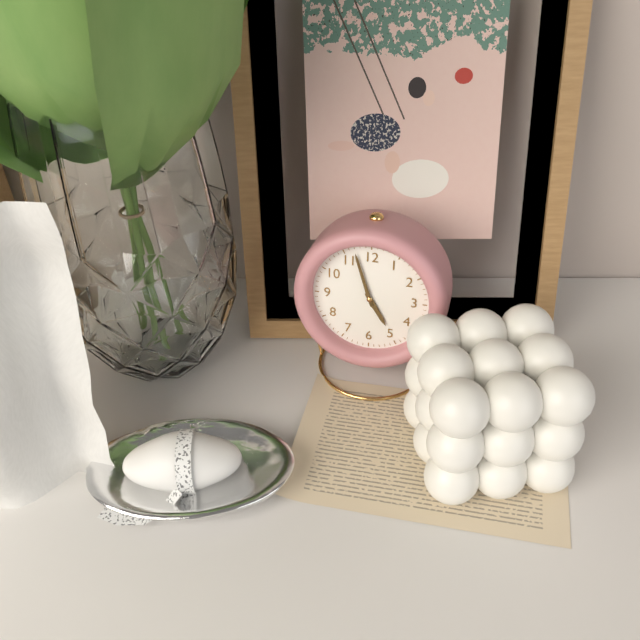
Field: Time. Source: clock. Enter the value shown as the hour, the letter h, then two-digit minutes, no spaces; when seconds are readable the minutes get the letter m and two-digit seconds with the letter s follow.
4h57
